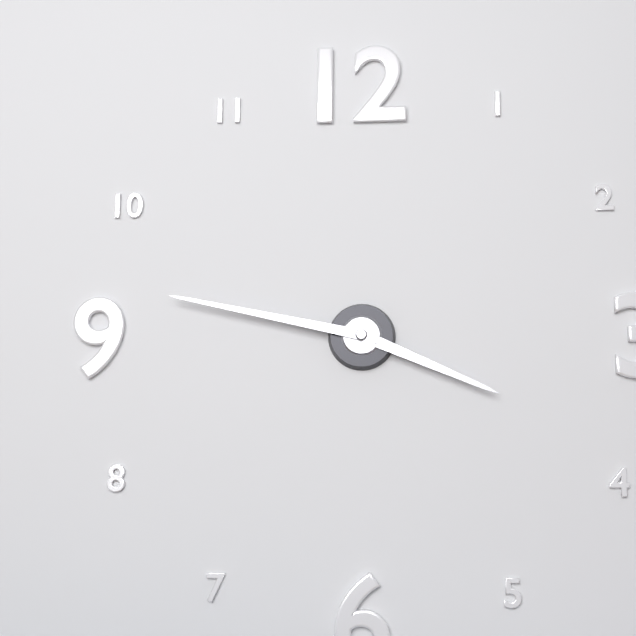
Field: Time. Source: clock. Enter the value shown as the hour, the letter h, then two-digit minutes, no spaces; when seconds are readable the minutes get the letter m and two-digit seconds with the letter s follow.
3h47
